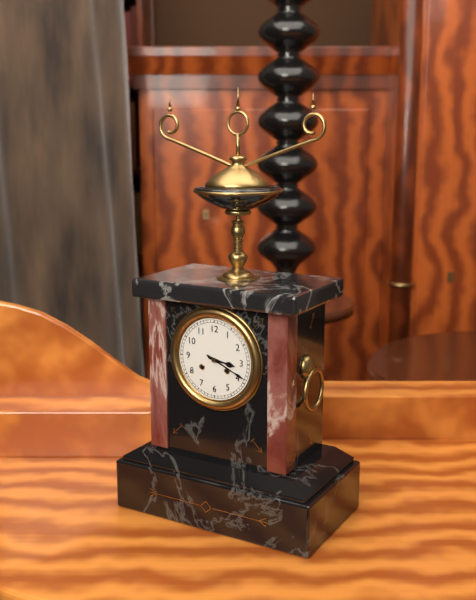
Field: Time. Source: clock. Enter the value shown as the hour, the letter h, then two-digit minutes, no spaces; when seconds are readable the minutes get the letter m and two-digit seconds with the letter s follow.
3h19
